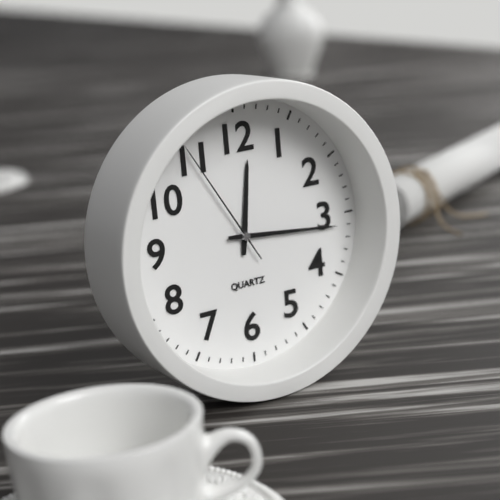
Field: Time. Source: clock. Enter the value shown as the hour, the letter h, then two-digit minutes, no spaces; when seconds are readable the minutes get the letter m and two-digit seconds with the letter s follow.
12h16m55s
